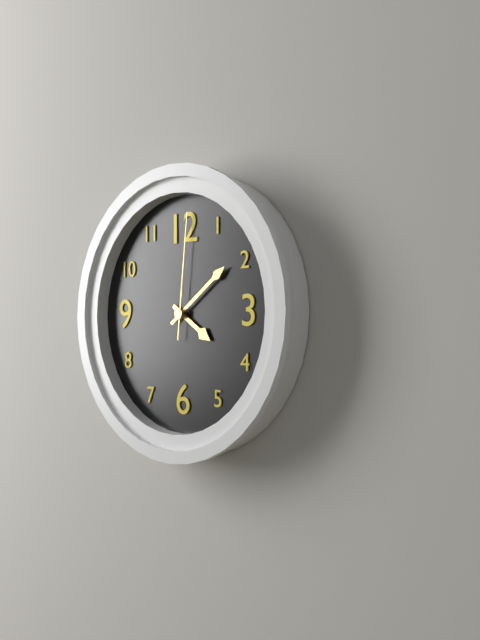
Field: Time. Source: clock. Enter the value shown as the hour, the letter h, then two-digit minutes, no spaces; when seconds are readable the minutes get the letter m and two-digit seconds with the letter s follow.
4h09m01s
